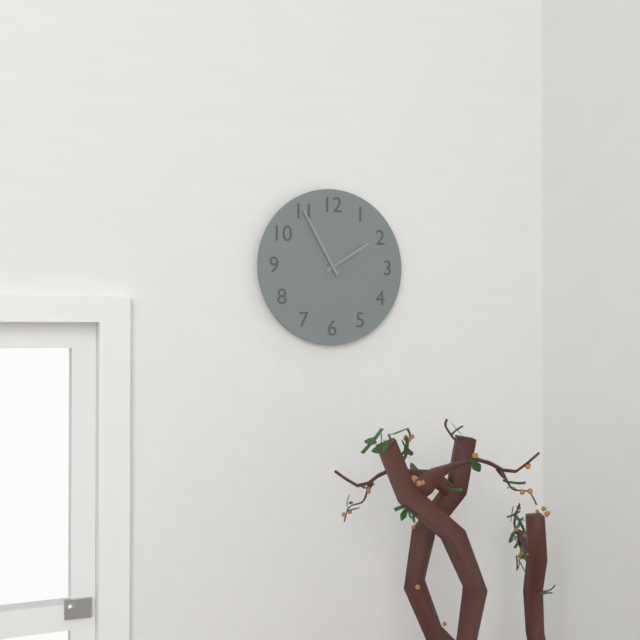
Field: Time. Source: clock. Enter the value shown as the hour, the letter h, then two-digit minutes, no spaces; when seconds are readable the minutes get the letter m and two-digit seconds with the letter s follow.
1h55
